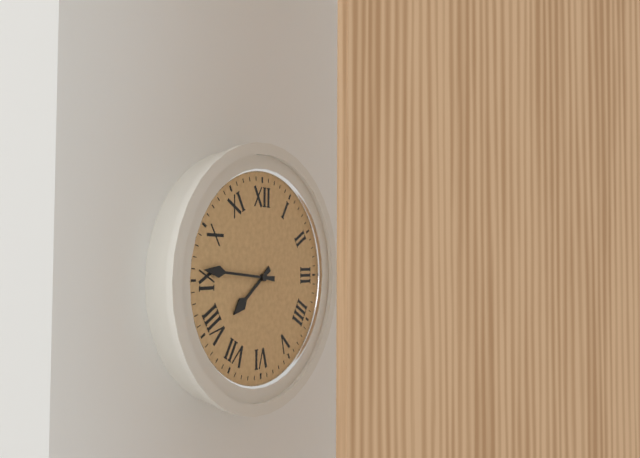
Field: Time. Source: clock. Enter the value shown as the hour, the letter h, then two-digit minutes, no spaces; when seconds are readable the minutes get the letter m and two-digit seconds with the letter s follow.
7h46
